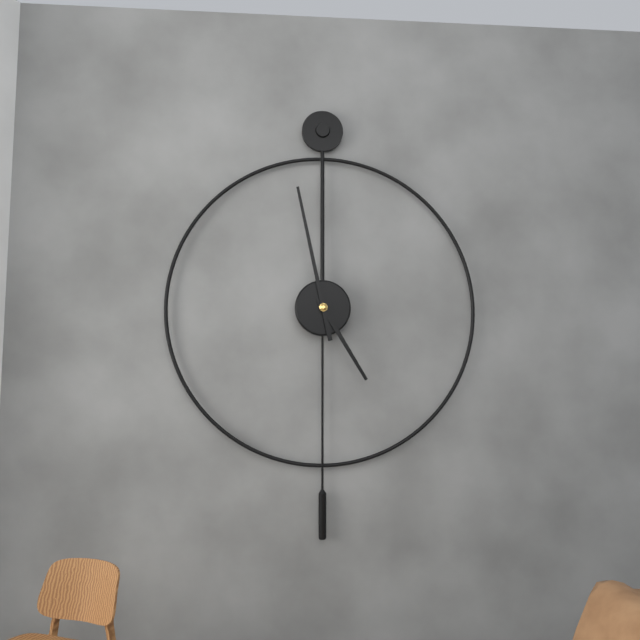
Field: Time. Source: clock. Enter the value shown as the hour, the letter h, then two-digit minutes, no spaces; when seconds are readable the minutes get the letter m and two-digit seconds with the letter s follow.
4h58
